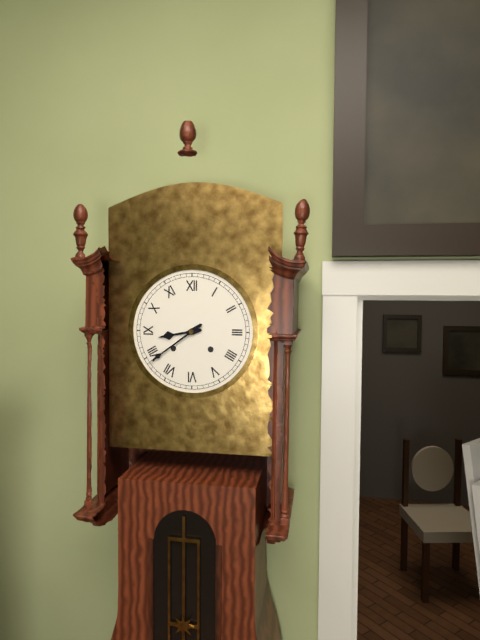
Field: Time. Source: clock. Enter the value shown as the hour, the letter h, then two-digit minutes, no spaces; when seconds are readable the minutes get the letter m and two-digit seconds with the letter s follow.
8h39
